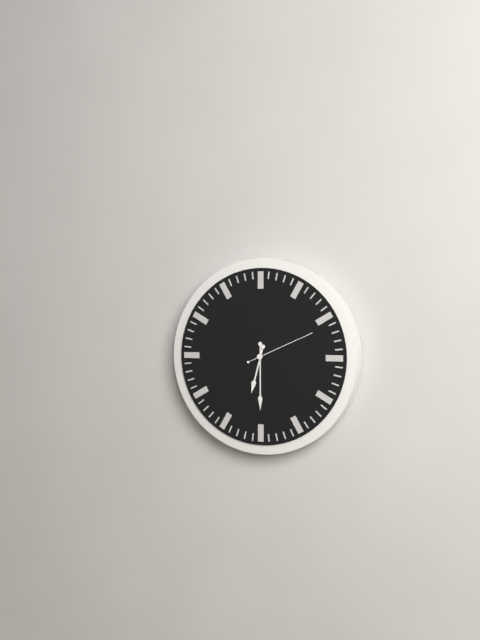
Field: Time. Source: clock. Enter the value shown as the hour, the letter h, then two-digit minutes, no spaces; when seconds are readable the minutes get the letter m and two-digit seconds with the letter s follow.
6h30m11s
